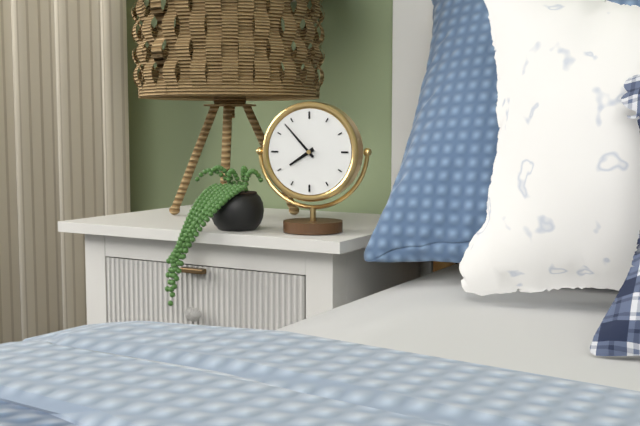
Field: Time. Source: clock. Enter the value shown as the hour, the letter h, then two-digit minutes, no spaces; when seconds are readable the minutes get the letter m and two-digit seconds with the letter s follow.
7h53
